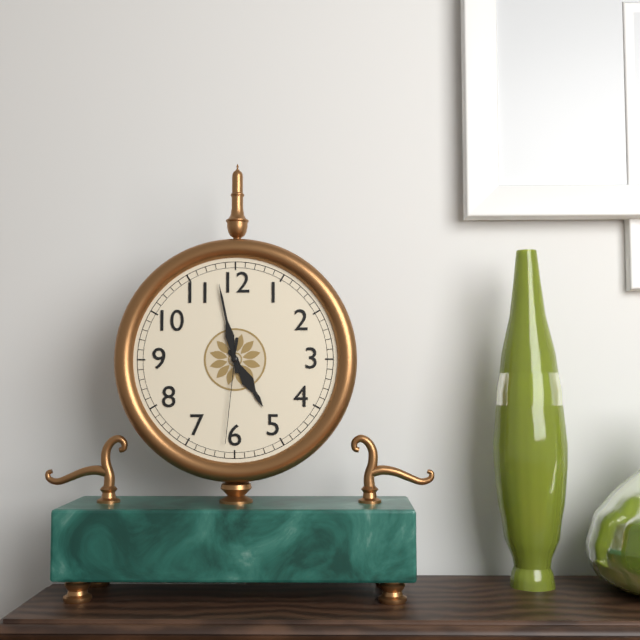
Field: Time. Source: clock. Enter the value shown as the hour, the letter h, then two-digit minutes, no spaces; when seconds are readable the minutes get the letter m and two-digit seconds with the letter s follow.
4h58m31s
